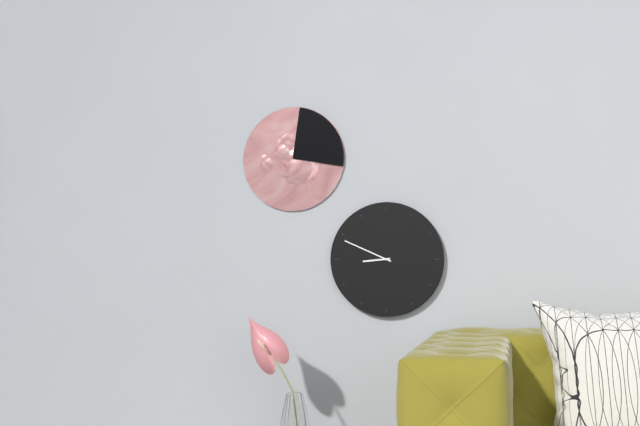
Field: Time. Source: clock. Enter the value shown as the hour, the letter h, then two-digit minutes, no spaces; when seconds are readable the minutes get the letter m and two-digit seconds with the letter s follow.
8h49
